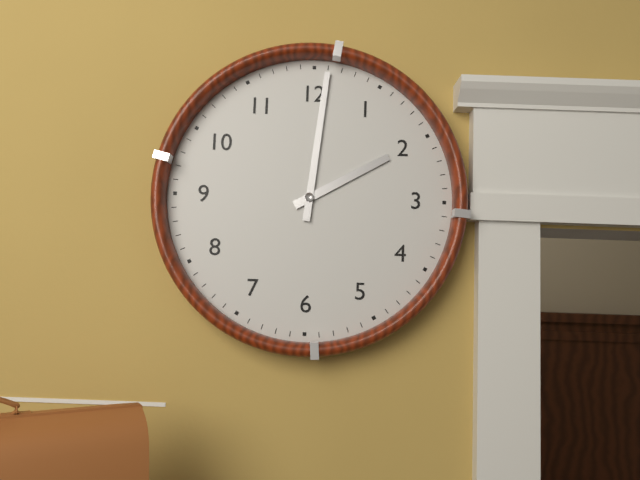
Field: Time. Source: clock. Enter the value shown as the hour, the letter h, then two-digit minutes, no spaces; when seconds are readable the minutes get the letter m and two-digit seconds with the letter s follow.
2h01
